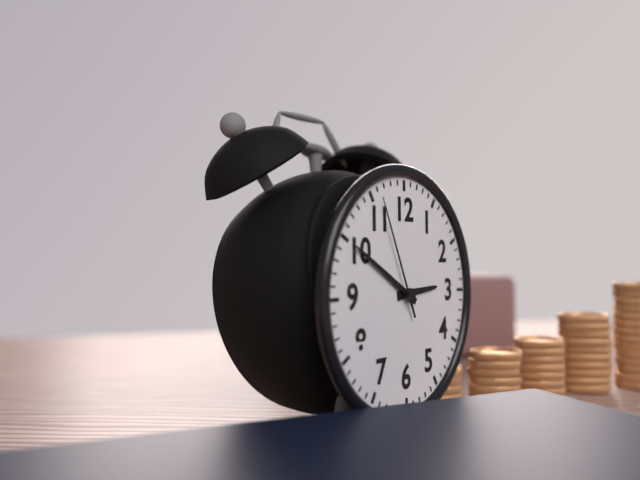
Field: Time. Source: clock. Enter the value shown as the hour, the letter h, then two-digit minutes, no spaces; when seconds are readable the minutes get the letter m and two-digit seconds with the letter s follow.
2h50m56s
